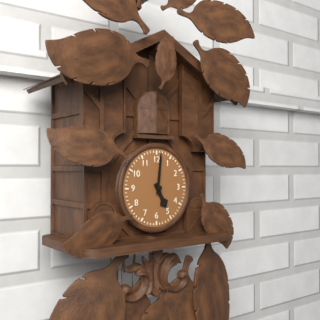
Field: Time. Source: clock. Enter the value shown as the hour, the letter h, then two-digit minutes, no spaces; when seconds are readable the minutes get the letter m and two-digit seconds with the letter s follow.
5h01
